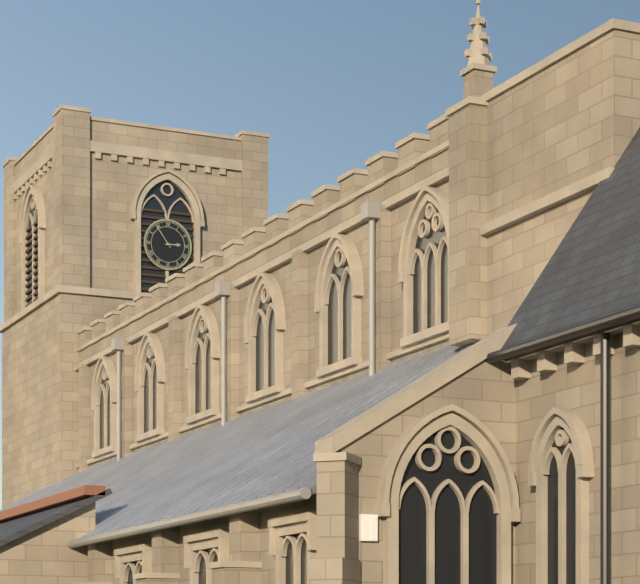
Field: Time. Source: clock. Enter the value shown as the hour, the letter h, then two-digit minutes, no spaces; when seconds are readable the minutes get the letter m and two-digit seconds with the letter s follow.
2h54
